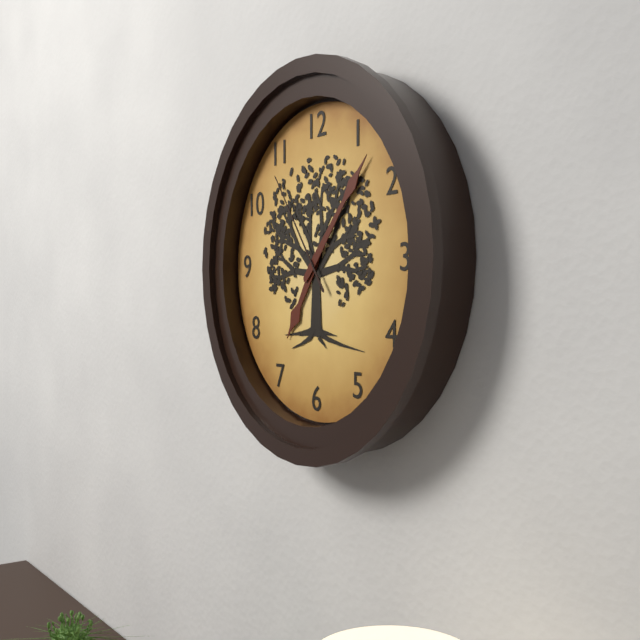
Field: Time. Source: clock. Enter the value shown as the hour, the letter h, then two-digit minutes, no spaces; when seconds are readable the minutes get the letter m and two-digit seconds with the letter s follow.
7h07m54s
